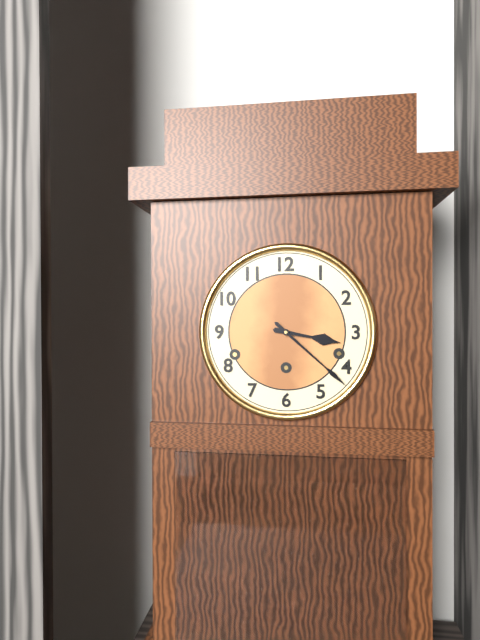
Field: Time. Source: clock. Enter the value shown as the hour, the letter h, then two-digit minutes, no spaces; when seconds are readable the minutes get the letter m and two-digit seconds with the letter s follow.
3h22
